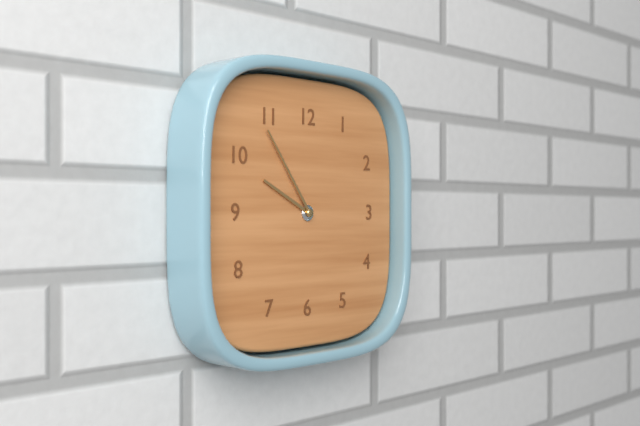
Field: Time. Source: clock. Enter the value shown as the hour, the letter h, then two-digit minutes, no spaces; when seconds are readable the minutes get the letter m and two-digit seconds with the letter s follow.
9h54
